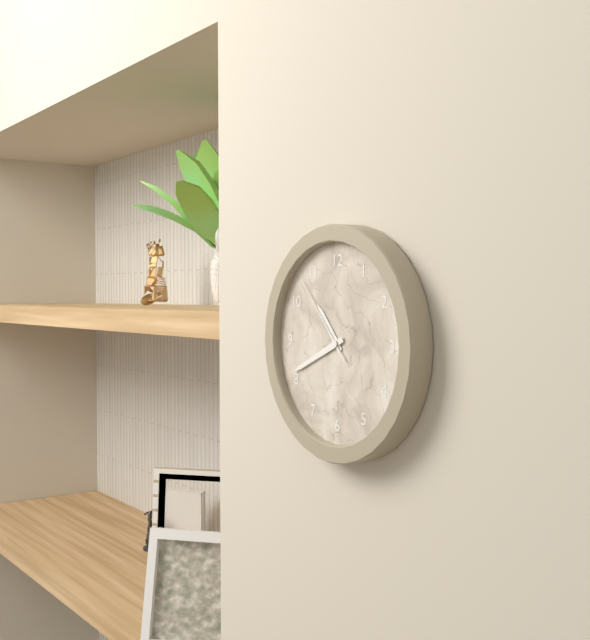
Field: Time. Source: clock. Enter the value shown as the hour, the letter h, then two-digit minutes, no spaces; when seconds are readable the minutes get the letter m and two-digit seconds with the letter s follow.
10h41m53s
